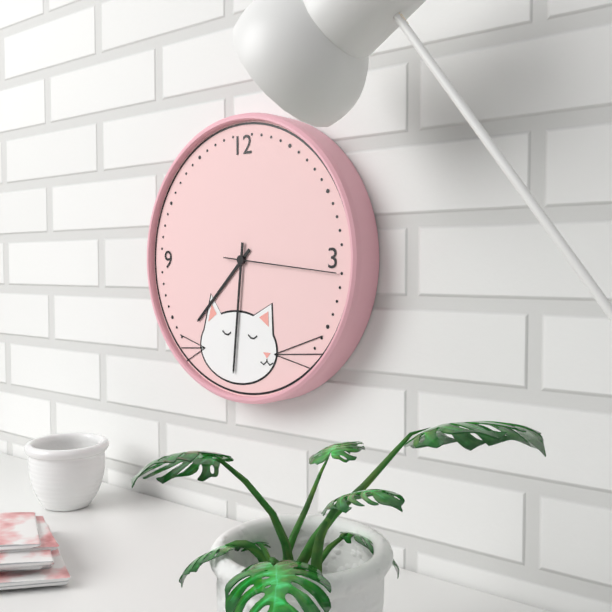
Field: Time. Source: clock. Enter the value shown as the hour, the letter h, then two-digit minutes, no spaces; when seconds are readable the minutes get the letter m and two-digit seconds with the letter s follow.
7h31m16s
